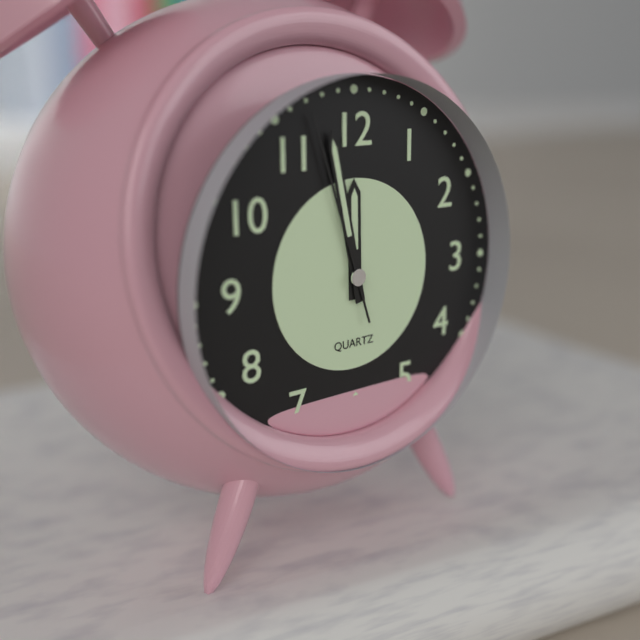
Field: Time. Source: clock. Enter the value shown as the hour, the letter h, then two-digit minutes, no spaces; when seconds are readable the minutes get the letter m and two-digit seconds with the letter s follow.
11h58m57s
